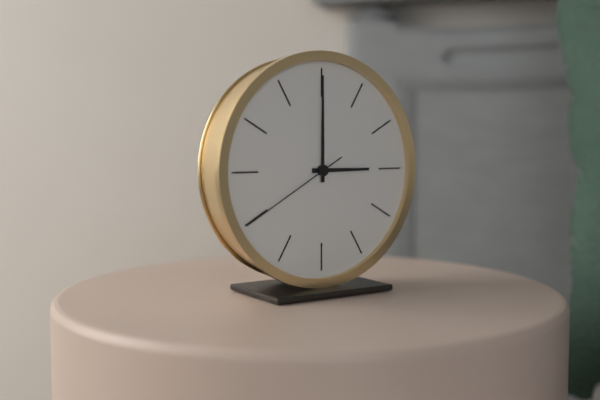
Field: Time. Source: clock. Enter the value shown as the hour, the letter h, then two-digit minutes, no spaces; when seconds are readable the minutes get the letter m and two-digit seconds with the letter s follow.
3h00m40s
